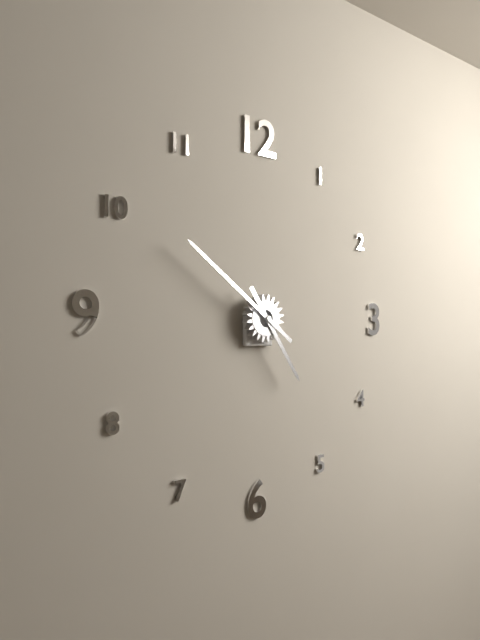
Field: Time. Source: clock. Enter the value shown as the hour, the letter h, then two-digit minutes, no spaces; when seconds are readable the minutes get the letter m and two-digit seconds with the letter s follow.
4h51
